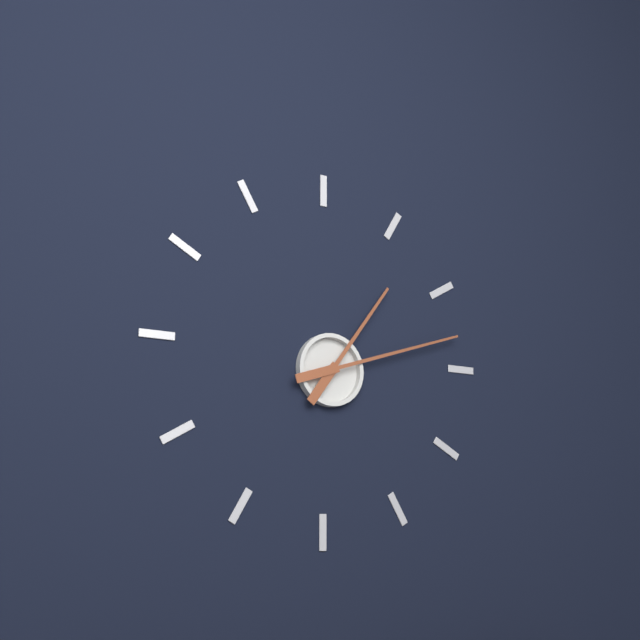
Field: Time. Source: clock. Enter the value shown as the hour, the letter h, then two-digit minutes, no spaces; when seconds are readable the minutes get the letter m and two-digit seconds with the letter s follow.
1h12
